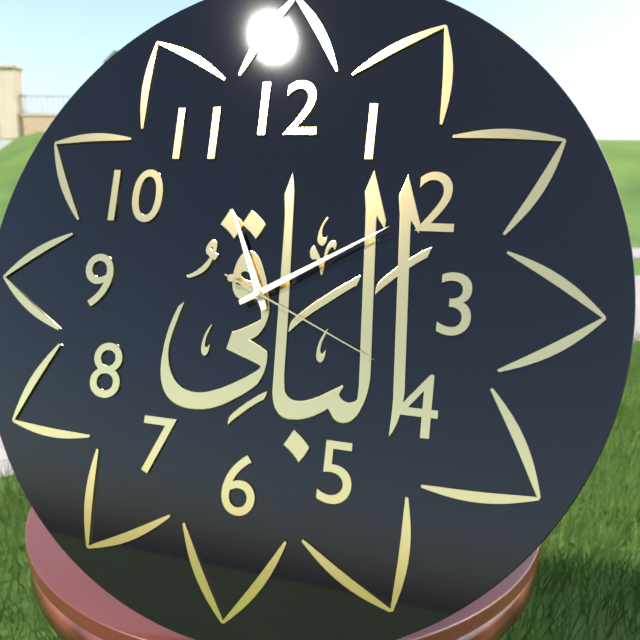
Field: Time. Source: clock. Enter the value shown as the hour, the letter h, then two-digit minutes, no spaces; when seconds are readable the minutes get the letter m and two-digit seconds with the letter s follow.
11h10m19s
